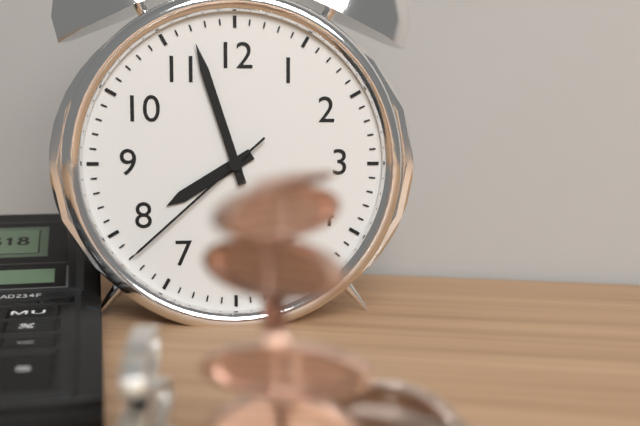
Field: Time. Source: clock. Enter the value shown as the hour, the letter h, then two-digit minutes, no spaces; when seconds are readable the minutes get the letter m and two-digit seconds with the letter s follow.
7h57m38s
